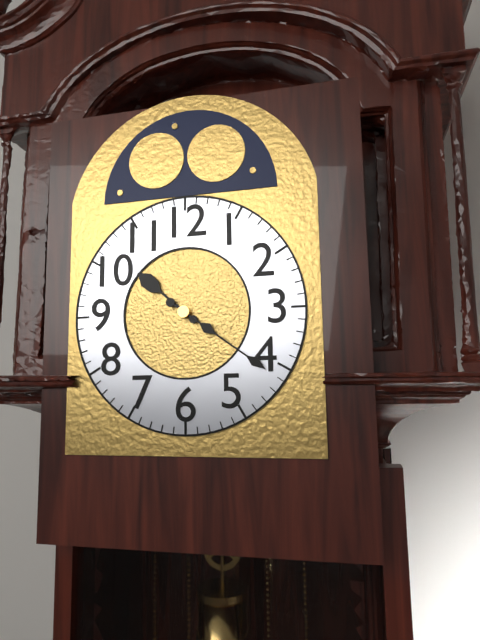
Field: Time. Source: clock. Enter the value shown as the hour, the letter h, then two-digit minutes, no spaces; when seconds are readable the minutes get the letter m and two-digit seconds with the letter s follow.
10h21
